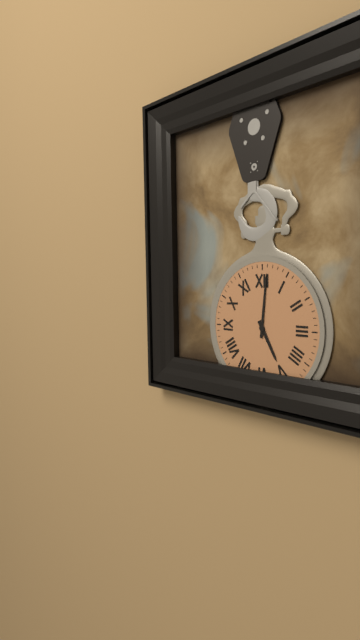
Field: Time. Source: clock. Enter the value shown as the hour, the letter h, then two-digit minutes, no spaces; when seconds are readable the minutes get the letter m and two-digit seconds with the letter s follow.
5h01
